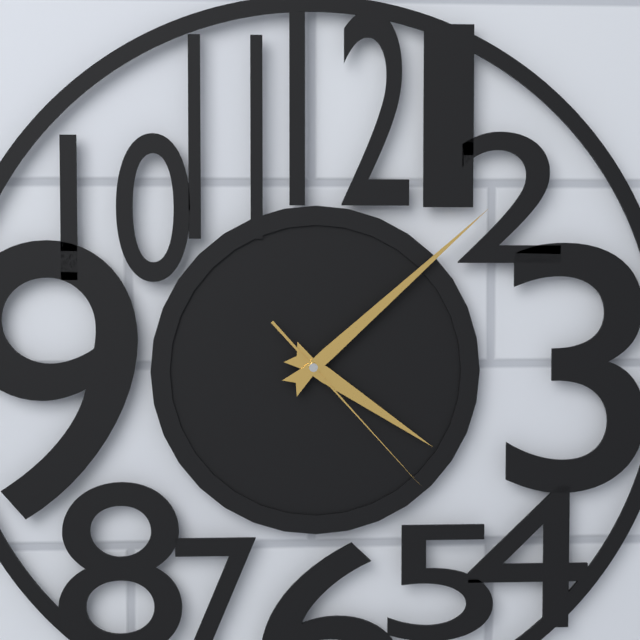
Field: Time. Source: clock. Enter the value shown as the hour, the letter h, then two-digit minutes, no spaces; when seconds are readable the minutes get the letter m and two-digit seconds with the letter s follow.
4h08m23s
